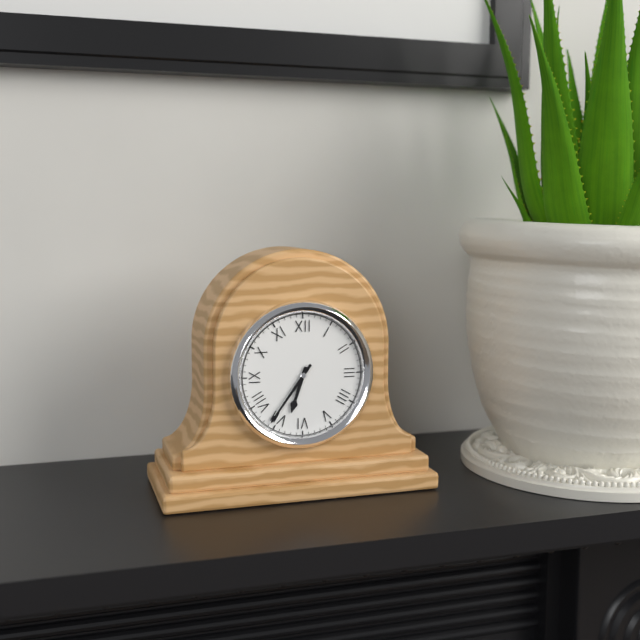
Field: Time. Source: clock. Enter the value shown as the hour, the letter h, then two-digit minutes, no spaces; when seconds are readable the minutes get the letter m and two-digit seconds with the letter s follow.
6h36
